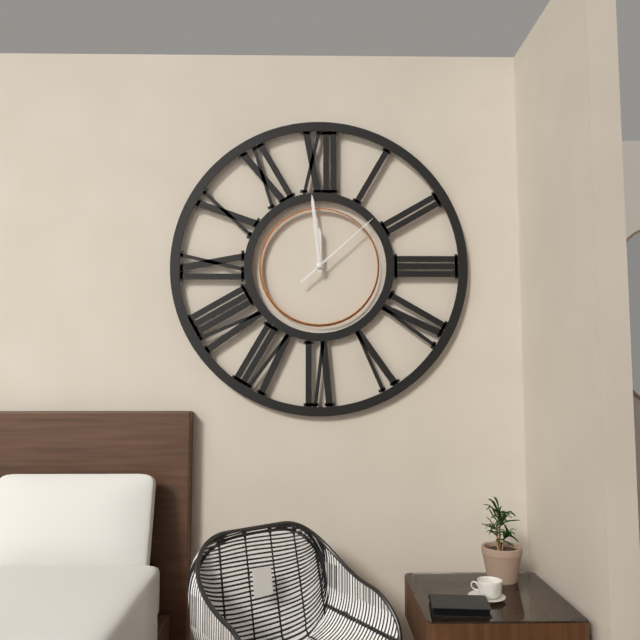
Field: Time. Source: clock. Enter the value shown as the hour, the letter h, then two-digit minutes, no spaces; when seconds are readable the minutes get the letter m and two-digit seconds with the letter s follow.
11h59m08s
